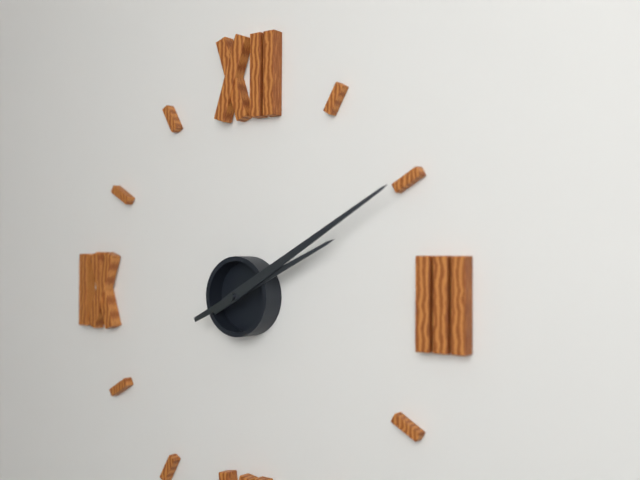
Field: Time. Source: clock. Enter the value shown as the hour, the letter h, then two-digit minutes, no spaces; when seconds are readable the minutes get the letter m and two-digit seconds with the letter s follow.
2h10
